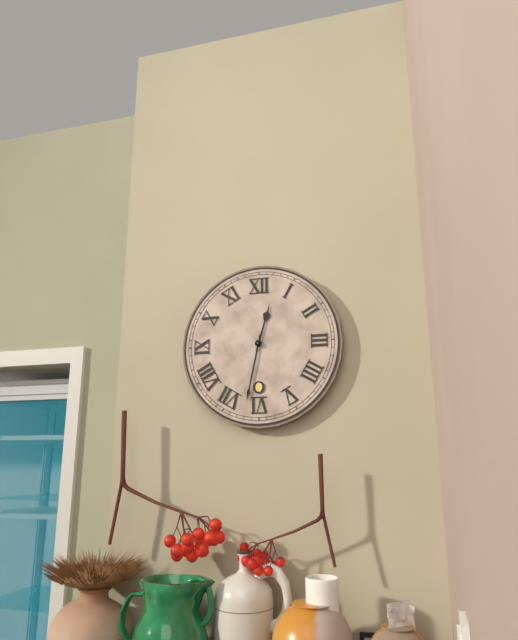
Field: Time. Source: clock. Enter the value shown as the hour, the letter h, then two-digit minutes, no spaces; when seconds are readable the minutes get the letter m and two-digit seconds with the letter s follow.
12h32
